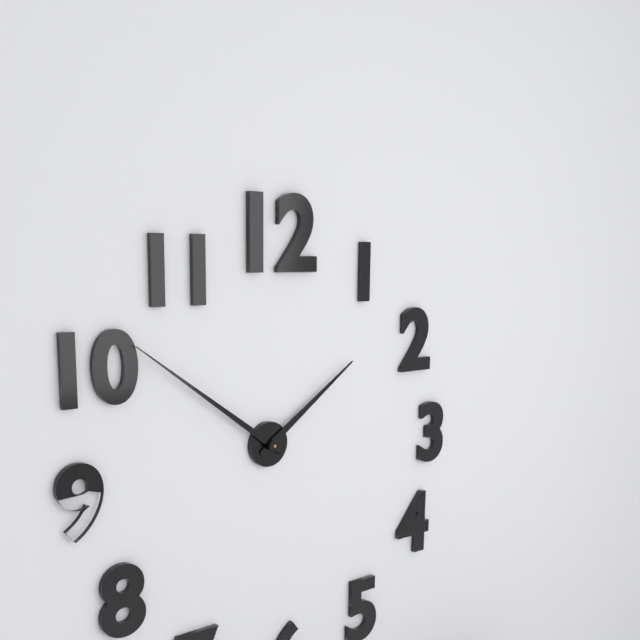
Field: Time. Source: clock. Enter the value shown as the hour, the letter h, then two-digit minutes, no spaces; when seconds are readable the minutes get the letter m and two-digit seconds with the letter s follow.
1h51
